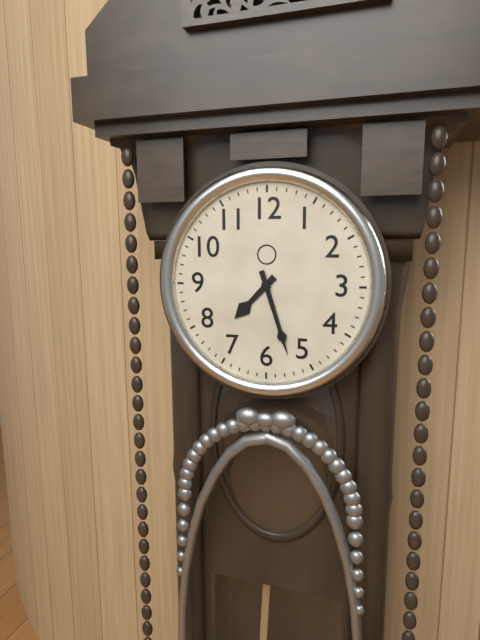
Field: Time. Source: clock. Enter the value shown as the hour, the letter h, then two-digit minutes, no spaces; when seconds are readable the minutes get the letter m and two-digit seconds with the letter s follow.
7h27
